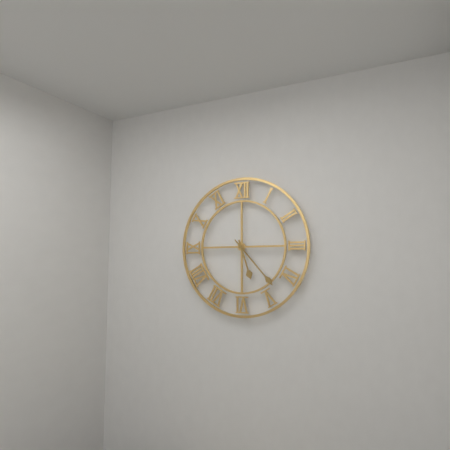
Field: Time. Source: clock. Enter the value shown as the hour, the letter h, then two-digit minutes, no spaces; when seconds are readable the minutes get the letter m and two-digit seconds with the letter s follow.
5h23
